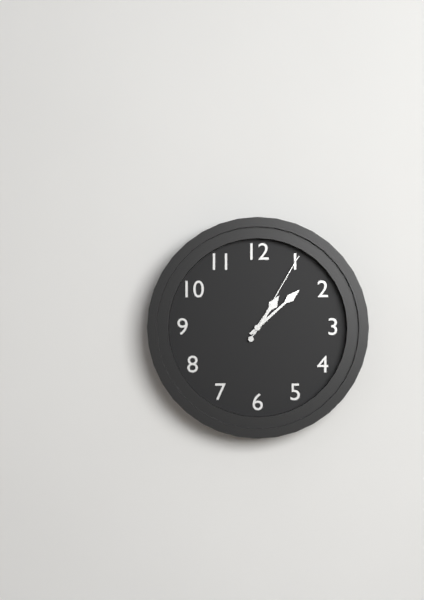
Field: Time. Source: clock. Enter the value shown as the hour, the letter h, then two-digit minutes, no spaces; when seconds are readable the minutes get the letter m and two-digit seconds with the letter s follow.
1h08m05s
